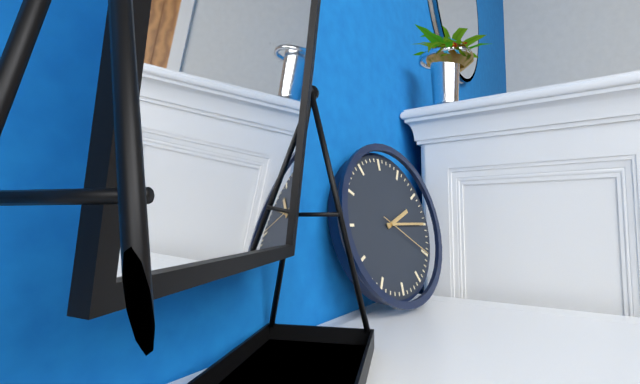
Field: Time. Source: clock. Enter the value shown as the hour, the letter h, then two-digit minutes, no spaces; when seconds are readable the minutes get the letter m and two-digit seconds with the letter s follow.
2h15m20s
